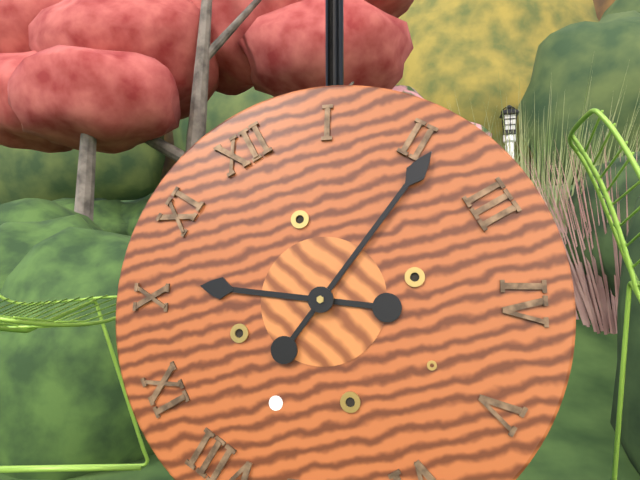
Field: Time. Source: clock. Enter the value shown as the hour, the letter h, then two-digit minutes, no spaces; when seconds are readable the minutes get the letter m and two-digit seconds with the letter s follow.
10h11
